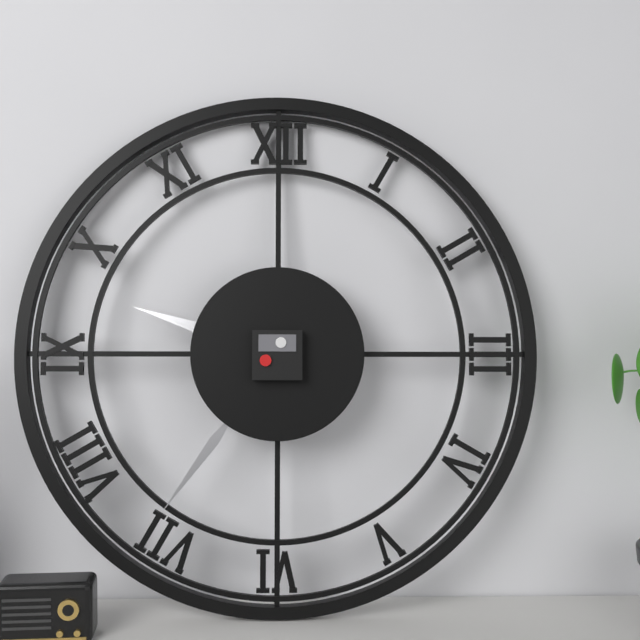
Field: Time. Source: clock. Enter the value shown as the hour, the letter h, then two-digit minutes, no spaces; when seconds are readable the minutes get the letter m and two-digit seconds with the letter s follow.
9h36
